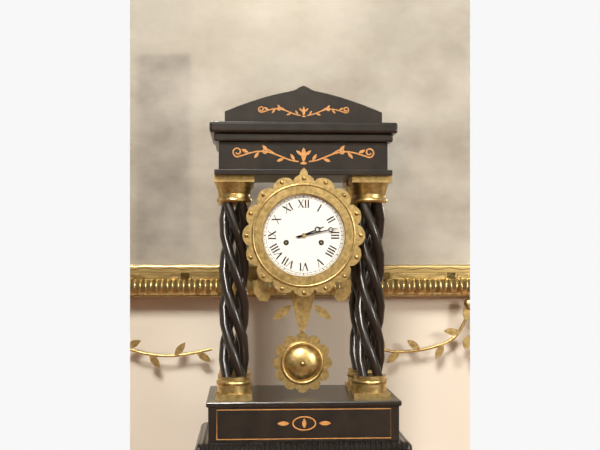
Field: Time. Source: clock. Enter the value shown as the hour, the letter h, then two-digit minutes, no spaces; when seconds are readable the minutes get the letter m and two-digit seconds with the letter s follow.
2h13
